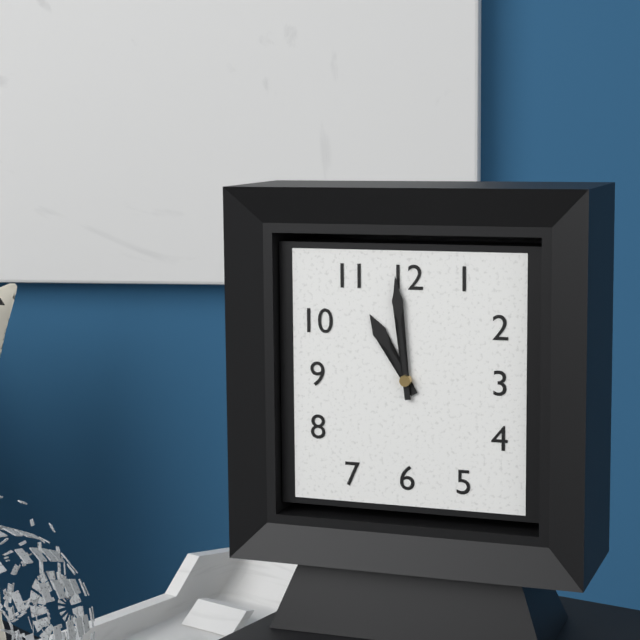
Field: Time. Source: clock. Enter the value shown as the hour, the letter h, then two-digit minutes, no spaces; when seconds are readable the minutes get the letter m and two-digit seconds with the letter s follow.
10h59
